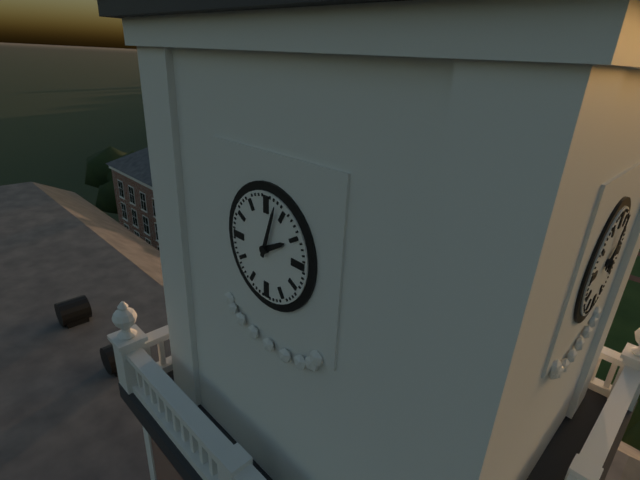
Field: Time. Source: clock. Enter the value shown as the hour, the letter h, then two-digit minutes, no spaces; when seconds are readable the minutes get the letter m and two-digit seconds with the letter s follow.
2h03
